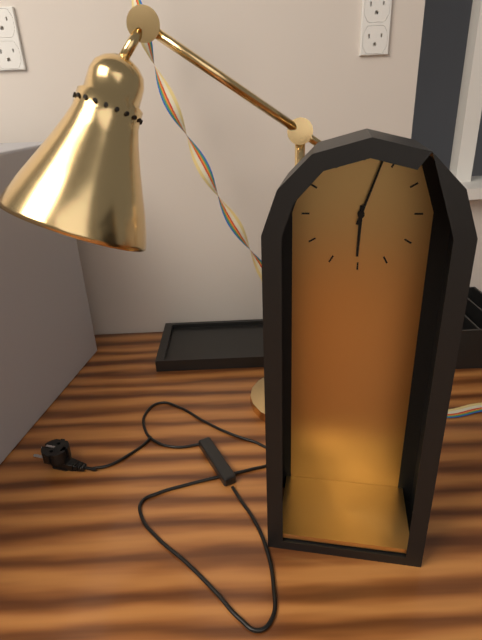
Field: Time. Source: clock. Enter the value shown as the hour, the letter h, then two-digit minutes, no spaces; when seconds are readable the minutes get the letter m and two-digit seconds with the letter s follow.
6h03
